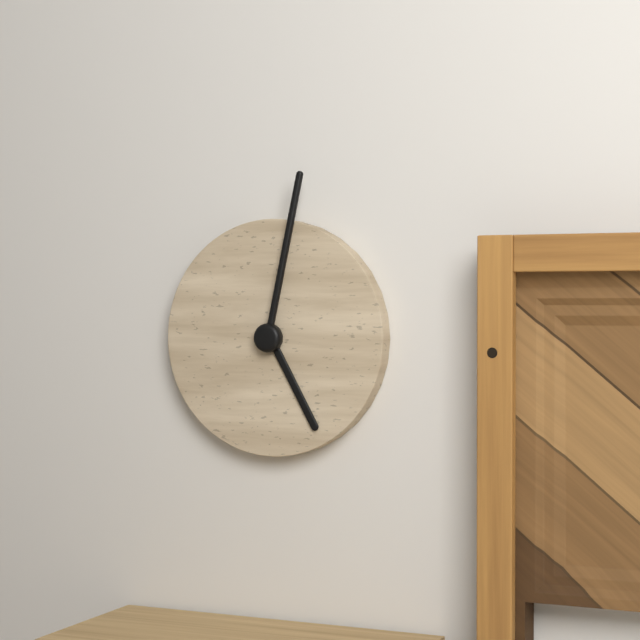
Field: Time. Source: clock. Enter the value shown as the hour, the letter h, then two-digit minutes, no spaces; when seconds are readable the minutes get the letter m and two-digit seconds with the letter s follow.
5h02
